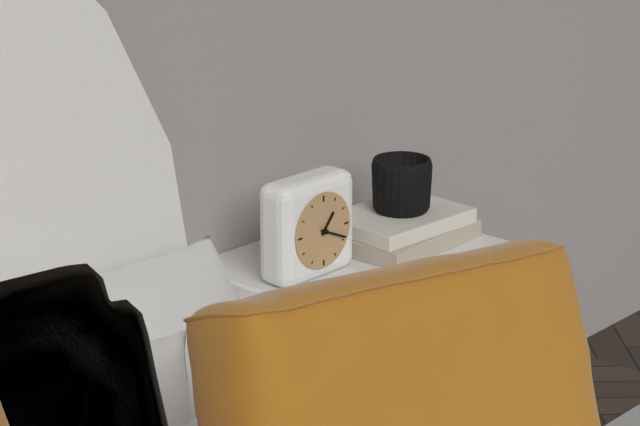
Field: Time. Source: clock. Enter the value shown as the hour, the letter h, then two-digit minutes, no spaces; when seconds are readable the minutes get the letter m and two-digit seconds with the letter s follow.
1h19
